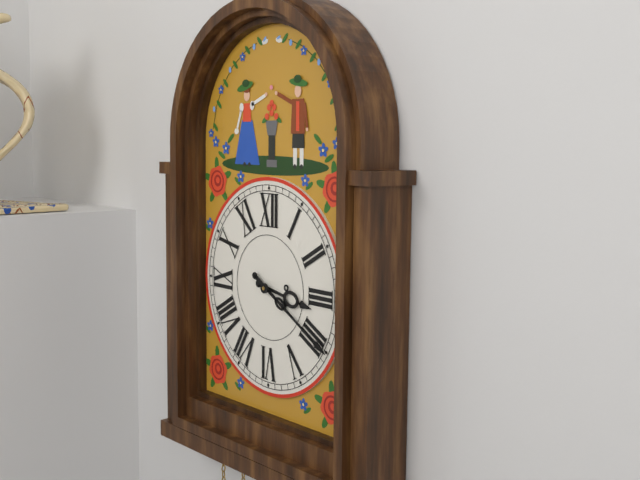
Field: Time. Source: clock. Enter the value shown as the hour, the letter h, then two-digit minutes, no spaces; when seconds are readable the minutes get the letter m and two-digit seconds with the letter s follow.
3h20
